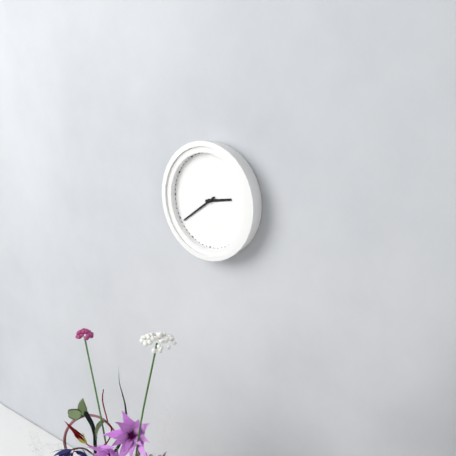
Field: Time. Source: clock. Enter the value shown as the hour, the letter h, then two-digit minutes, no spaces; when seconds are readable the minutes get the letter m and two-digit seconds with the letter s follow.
2h39
